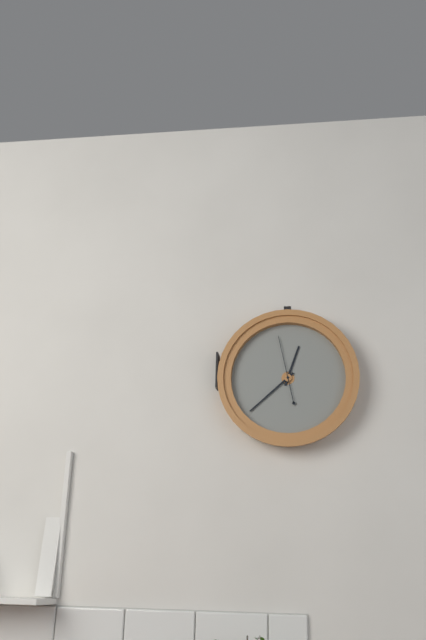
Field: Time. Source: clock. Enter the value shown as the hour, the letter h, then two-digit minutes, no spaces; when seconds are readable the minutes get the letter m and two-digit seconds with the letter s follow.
12h38m58s
